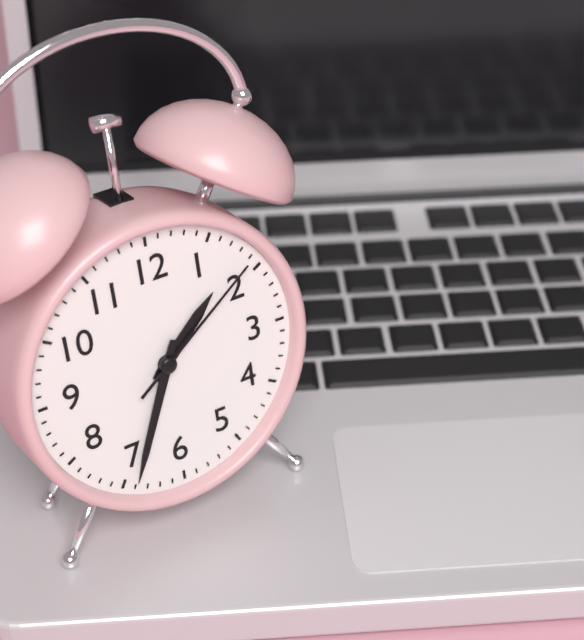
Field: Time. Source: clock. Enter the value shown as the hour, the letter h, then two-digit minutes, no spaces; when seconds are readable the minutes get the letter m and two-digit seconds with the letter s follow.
1h34m09s
